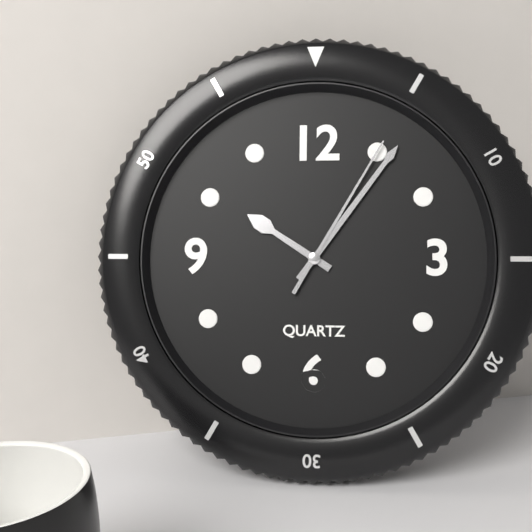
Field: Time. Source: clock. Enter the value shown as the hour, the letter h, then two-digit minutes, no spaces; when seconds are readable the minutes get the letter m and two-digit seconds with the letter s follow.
10h06m05s
